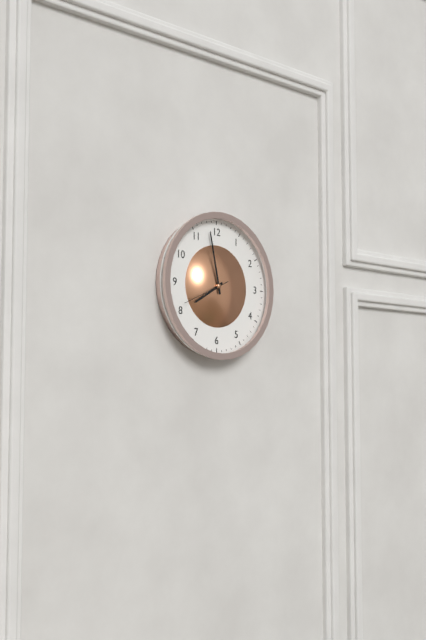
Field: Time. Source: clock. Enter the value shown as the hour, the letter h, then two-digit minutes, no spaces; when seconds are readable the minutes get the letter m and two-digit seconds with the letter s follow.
7h58
